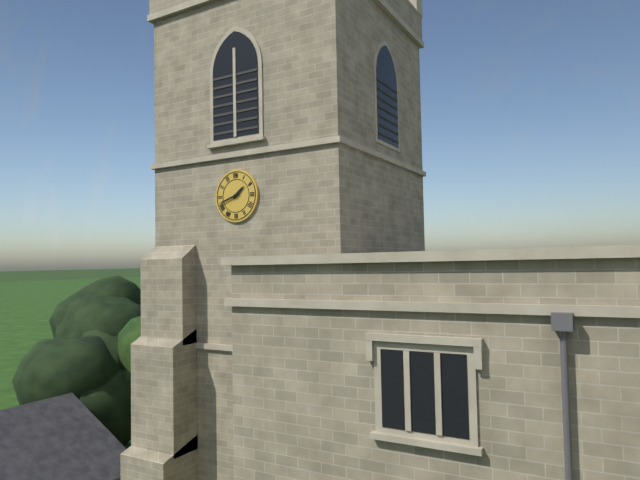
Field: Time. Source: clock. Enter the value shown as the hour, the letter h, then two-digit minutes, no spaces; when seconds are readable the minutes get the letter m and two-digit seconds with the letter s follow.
1h42
